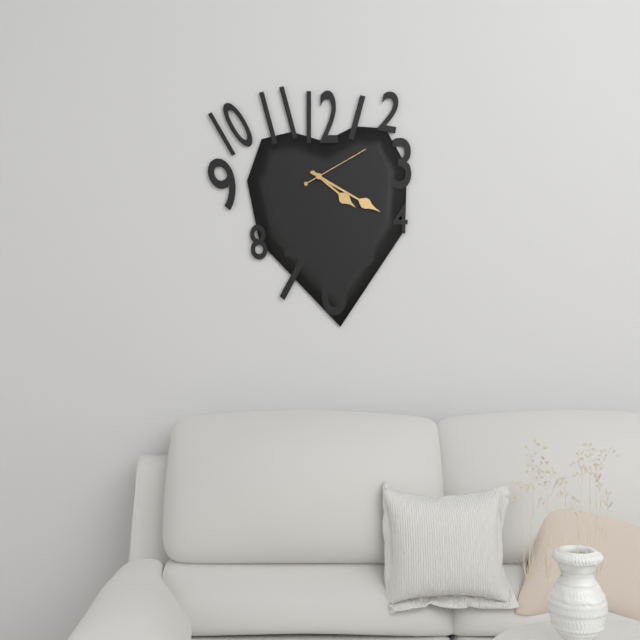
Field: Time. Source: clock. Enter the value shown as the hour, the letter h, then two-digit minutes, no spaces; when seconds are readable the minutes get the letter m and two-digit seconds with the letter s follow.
4h20m10s
